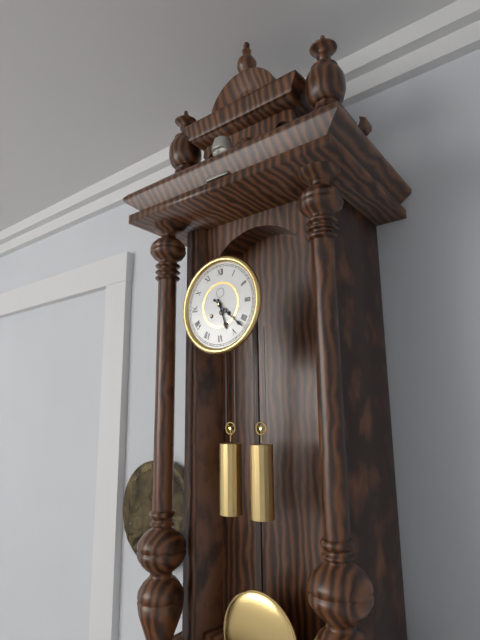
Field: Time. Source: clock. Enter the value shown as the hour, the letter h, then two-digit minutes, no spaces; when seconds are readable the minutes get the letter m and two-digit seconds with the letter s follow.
5h22
